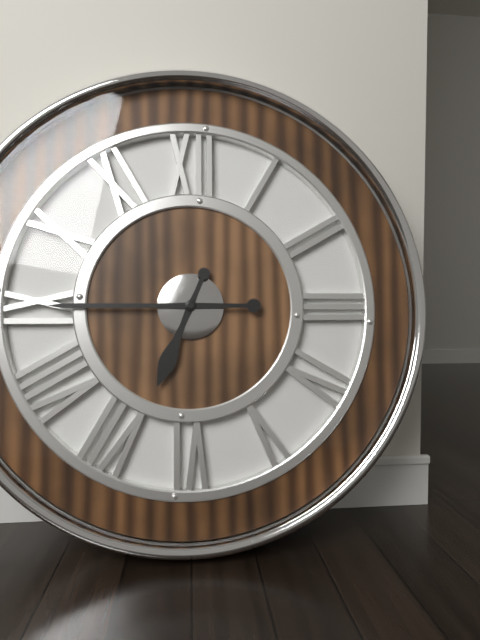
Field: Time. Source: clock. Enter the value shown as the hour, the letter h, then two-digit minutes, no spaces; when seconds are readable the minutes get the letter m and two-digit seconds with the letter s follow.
6h45
